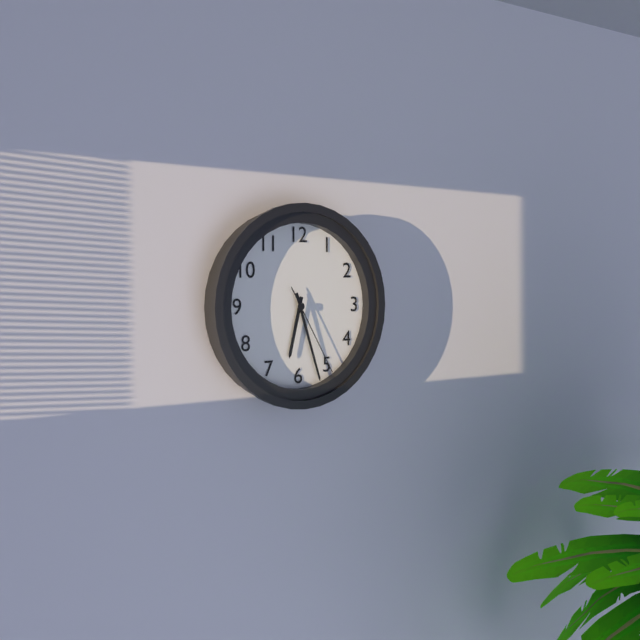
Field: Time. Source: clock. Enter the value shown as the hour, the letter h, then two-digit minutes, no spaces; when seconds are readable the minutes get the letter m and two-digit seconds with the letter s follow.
6h27m25s
